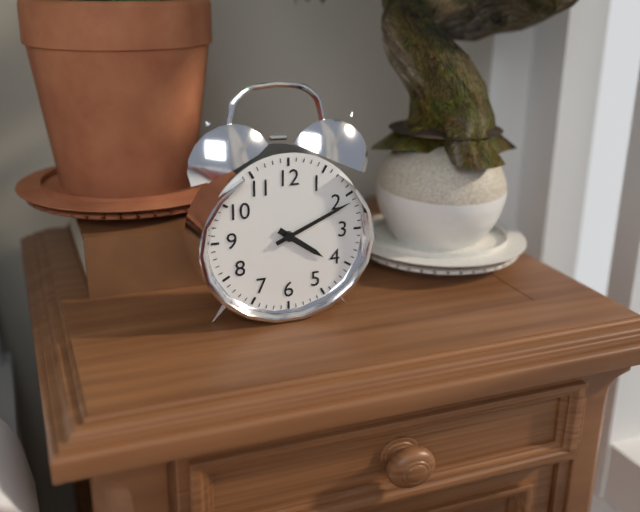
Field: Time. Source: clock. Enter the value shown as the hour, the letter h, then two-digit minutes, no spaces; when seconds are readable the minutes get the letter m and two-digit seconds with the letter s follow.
4h11
